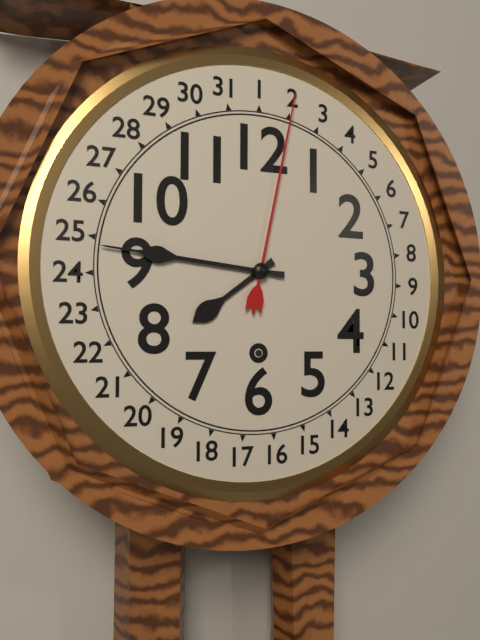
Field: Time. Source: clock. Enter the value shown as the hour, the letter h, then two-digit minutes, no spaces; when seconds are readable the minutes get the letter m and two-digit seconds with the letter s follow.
7h46
